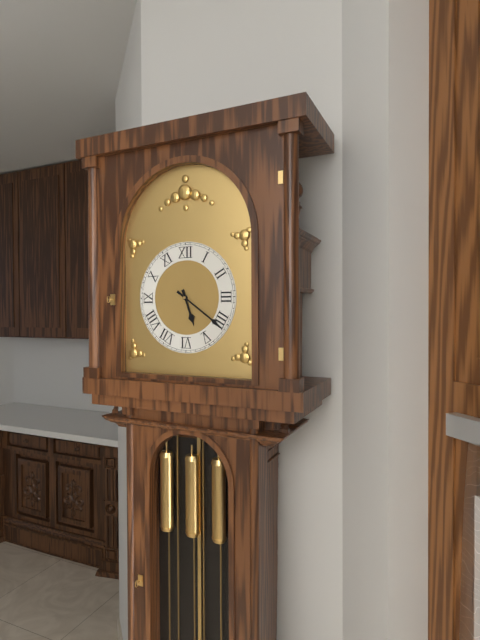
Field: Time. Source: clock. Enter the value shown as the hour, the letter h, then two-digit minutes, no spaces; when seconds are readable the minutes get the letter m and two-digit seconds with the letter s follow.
5h21
